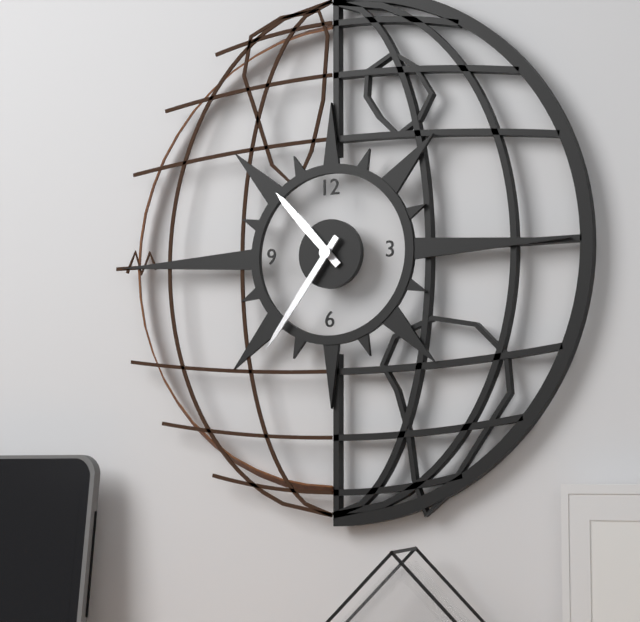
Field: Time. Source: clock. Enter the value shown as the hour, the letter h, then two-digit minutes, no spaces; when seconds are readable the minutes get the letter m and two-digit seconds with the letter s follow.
10h36
